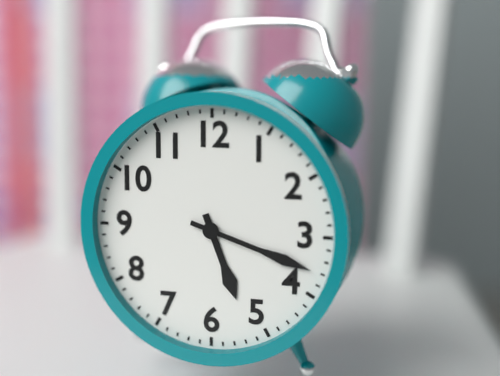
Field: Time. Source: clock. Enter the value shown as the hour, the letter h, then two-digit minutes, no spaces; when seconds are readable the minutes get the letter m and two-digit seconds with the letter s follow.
5h18
